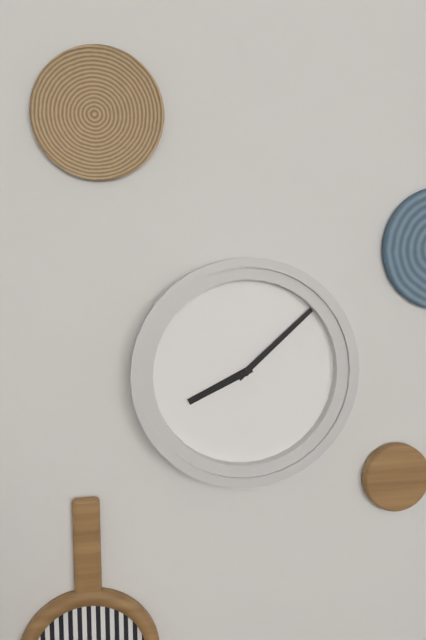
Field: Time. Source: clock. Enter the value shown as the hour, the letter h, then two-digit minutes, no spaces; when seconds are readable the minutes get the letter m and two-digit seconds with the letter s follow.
8h08
